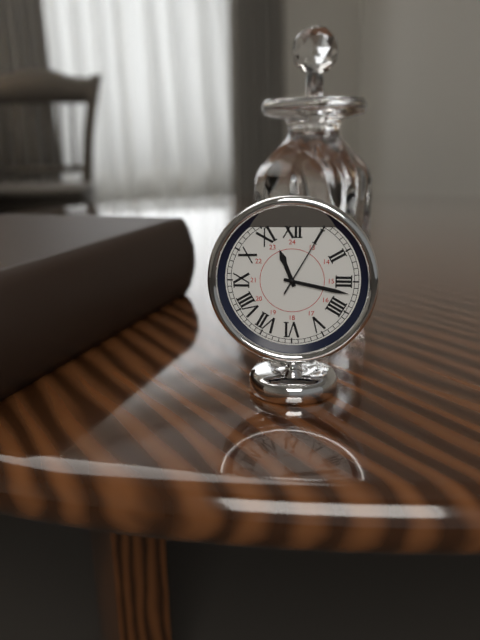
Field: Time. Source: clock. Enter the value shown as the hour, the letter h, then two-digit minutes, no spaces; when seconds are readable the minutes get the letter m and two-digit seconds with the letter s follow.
11h17m05s
